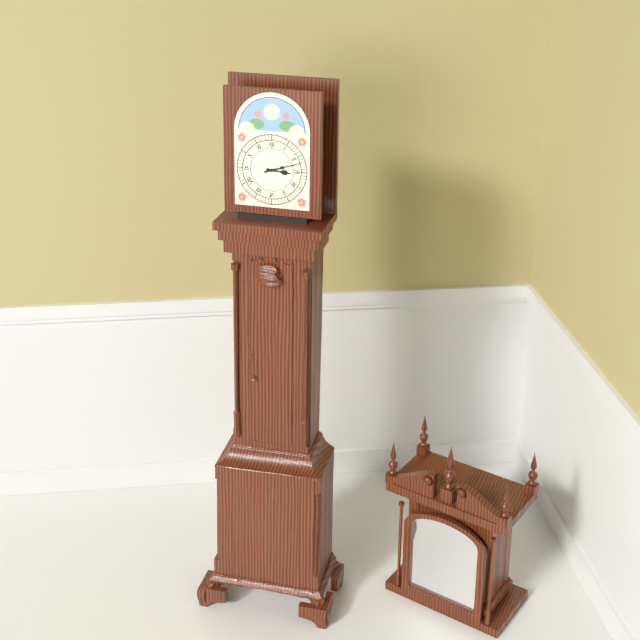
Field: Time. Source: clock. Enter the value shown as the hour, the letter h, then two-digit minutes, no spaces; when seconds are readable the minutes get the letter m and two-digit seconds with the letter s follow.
3h12
